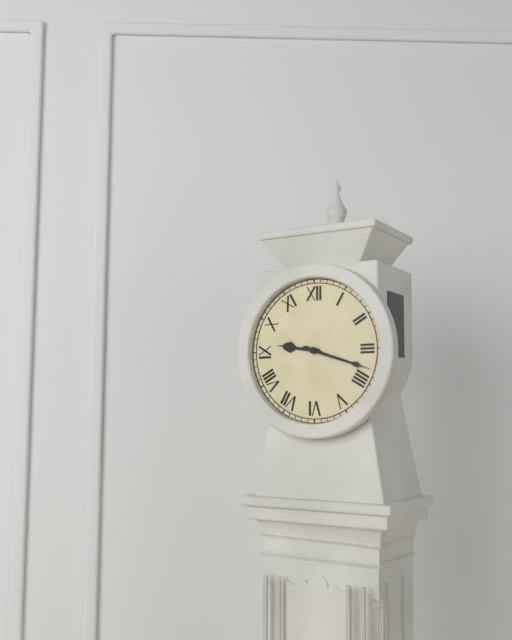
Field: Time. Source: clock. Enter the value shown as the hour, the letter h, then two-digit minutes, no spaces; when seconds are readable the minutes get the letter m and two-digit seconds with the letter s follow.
9h18
